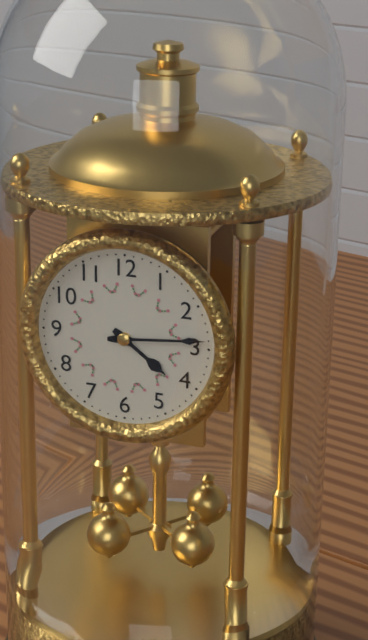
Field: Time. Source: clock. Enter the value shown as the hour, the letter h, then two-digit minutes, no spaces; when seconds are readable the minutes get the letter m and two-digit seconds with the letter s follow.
4h14
